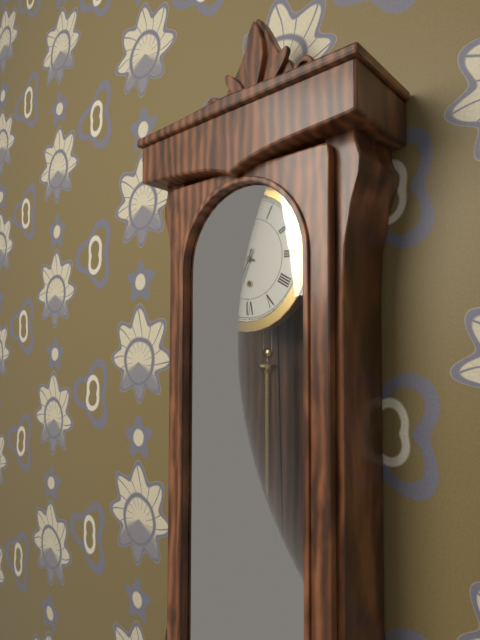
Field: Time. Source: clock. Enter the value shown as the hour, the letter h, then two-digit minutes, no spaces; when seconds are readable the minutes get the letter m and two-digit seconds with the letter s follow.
9h34
